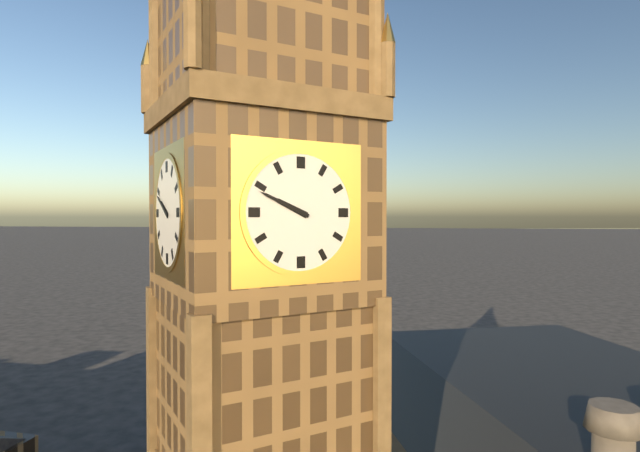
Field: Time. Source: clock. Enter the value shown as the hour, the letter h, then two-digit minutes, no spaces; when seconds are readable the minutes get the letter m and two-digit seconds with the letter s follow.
9h49
